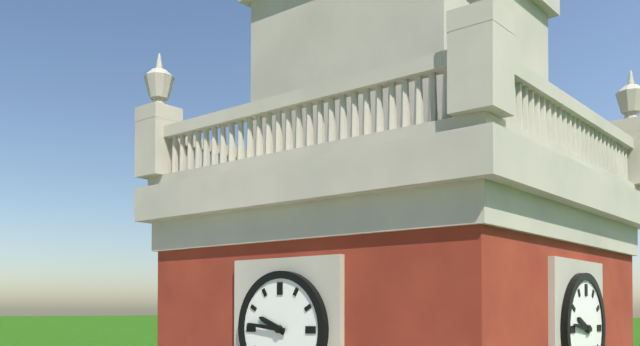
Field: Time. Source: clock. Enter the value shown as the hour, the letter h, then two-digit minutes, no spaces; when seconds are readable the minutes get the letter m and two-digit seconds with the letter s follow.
9h46
